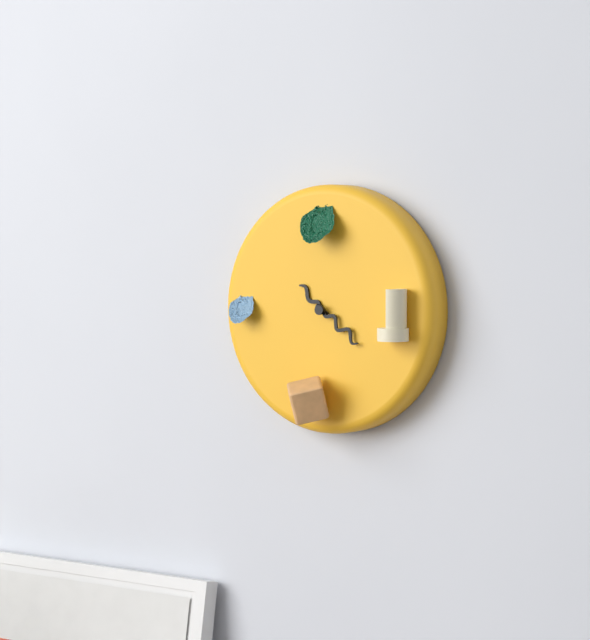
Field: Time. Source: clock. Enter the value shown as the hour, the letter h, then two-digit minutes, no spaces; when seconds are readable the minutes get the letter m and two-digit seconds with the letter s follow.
10h21
